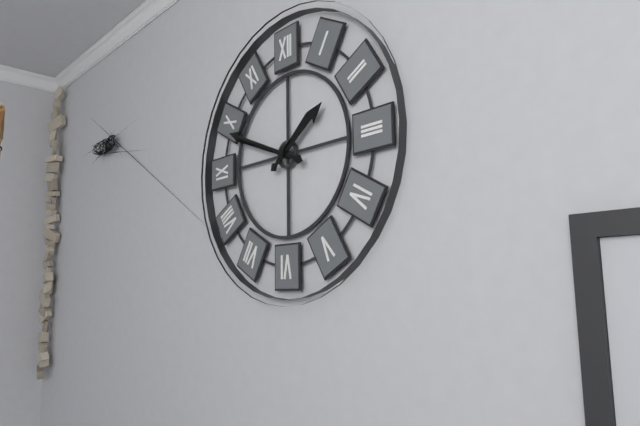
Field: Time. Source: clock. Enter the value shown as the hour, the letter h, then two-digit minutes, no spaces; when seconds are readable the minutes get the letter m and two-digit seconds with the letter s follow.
1h49
